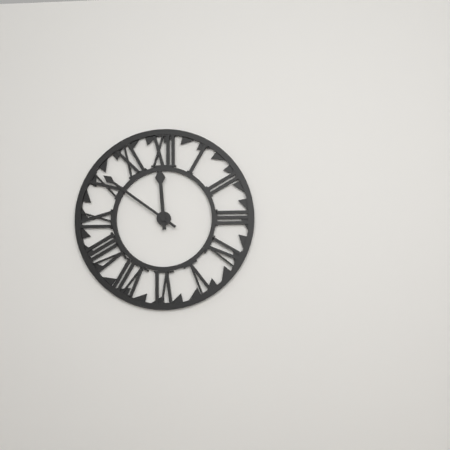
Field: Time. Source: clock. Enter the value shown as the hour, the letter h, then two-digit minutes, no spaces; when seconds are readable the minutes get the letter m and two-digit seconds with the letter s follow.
11h51
